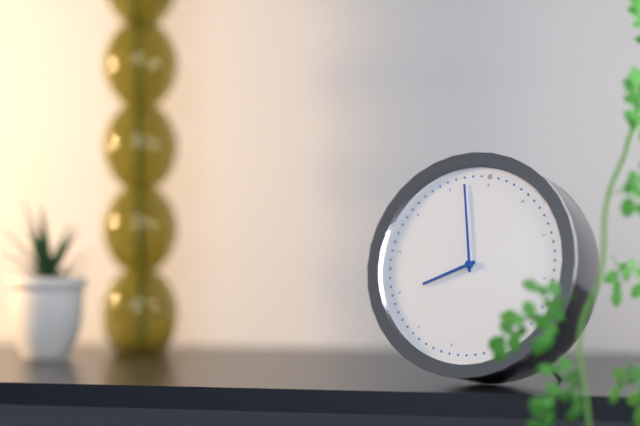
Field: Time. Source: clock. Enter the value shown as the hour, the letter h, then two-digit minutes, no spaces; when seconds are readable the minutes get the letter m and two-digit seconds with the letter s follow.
7h57
